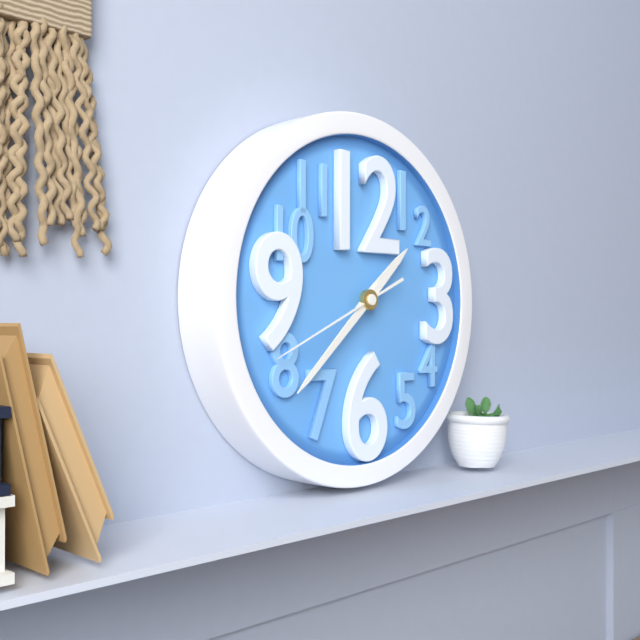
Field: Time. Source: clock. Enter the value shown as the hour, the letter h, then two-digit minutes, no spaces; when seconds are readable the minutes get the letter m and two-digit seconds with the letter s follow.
1h38m41s
